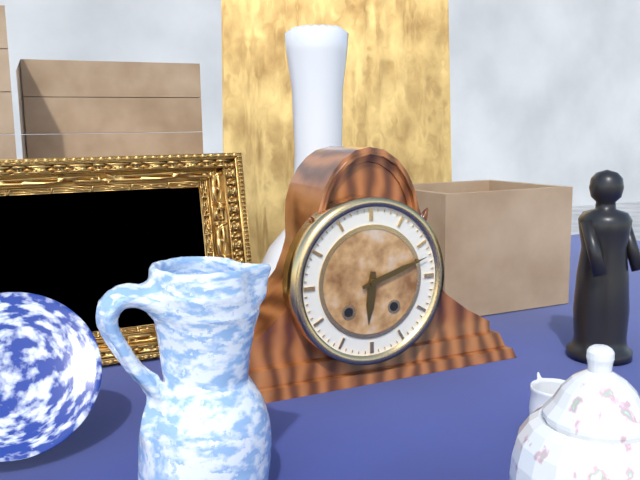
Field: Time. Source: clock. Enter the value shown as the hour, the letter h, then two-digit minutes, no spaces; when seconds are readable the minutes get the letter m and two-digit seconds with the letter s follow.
6h12
